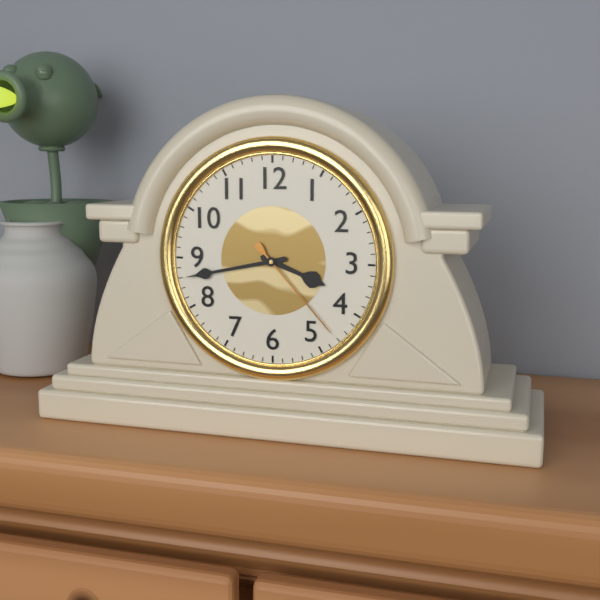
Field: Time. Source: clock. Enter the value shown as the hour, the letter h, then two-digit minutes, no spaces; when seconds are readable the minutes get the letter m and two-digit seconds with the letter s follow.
3h43m23s
